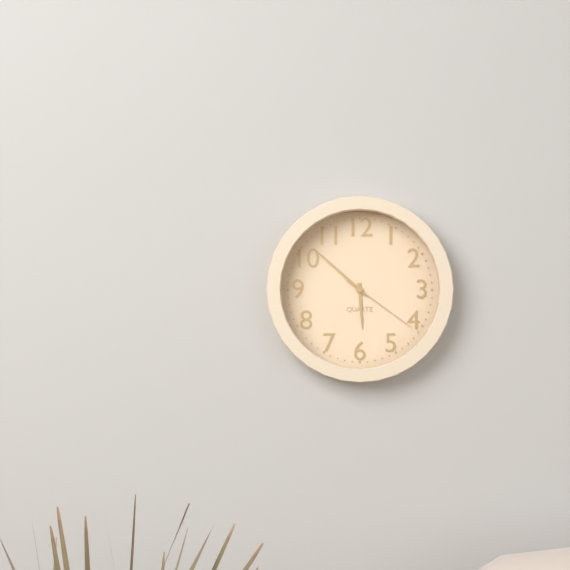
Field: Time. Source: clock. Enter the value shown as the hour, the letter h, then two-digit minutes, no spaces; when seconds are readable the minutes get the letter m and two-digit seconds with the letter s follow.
5h52m21s
